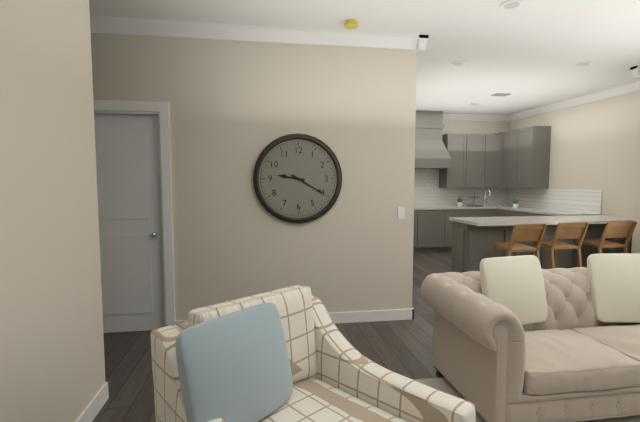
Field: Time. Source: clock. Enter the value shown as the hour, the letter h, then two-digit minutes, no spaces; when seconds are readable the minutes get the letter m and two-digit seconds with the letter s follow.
9h20
